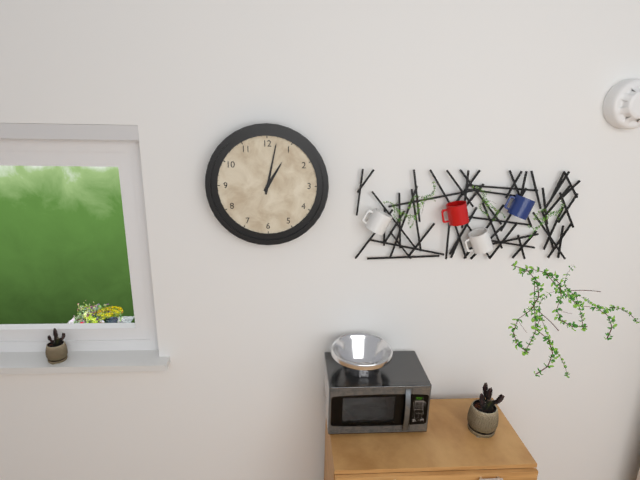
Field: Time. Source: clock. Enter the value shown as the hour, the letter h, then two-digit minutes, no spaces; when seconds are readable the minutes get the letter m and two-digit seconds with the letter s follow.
1h02
